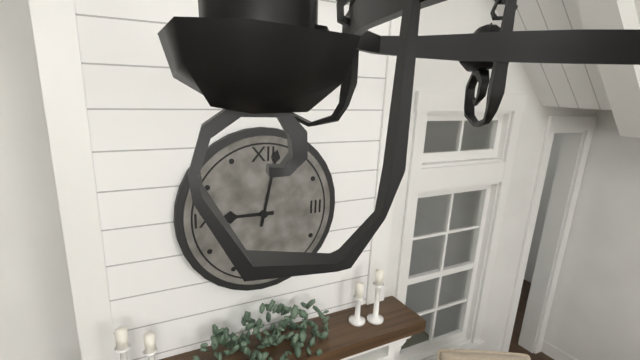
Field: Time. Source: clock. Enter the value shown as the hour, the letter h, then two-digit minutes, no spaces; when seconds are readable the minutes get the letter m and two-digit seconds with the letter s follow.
9h02
